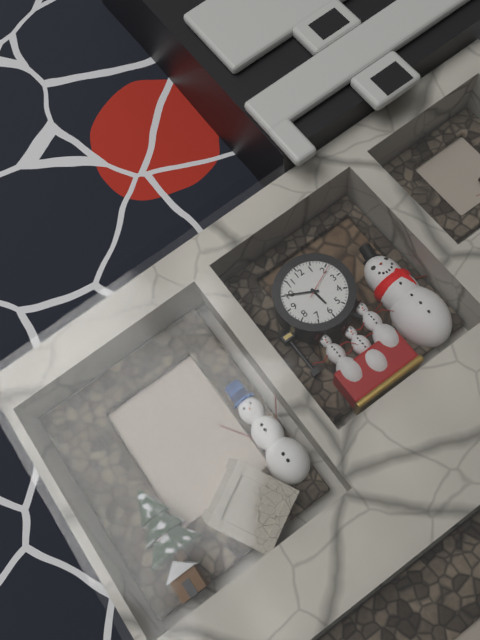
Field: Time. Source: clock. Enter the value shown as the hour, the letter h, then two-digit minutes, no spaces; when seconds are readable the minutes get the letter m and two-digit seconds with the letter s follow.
5h50
